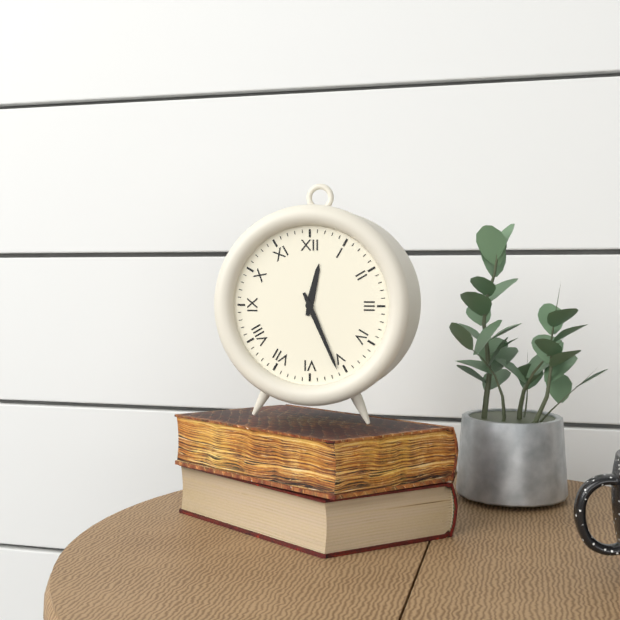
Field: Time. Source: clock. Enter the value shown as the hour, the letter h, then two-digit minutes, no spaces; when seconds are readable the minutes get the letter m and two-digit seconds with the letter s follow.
12h26
